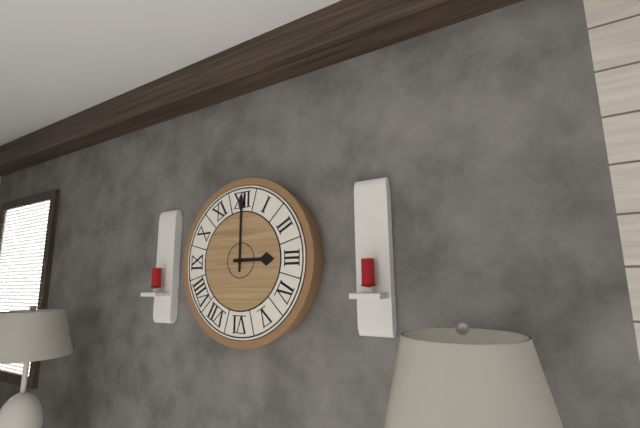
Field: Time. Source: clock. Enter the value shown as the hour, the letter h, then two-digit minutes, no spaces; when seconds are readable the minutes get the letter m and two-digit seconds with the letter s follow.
3h00
